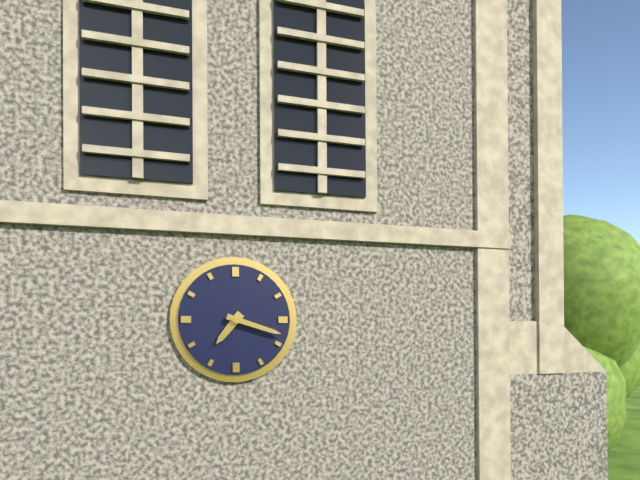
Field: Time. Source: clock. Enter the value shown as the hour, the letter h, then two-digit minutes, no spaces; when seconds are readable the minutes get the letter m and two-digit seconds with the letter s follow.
7h18
